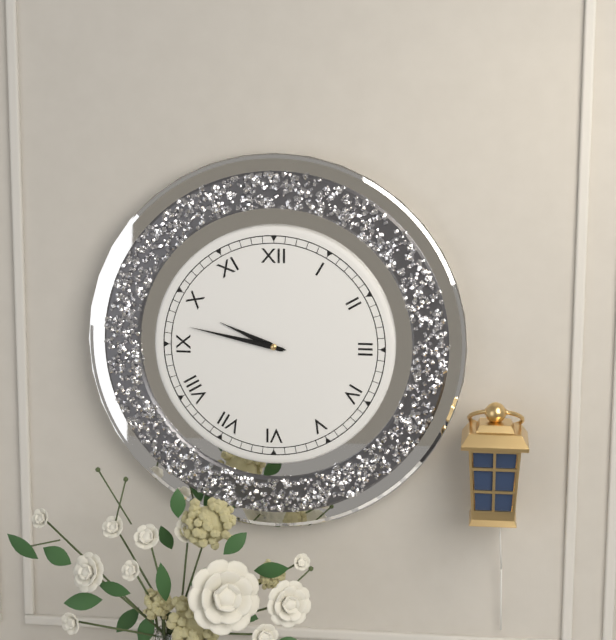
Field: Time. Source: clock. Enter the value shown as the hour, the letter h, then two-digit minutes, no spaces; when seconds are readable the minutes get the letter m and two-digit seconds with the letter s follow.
9h47
